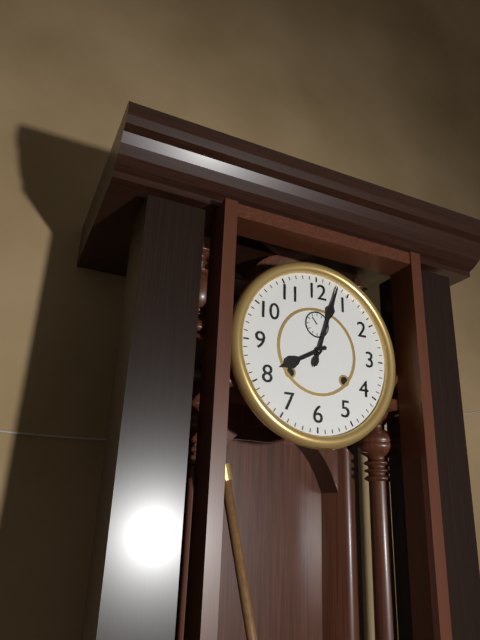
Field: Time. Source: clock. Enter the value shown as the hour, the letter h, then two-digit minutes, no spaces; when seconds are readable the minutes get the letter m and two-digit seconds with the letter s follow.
8h03
